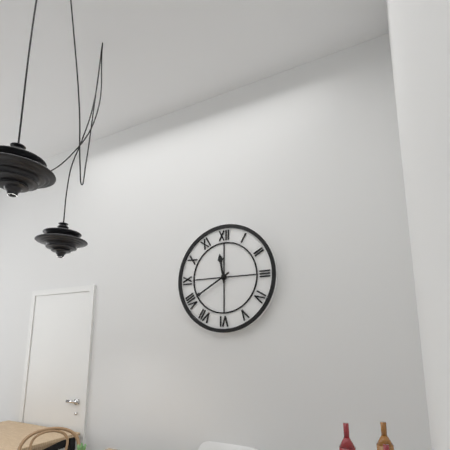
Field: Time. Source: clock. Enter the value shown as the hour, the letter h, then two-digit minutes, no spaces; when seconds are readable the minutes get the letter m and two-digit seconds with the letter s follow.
11h40
